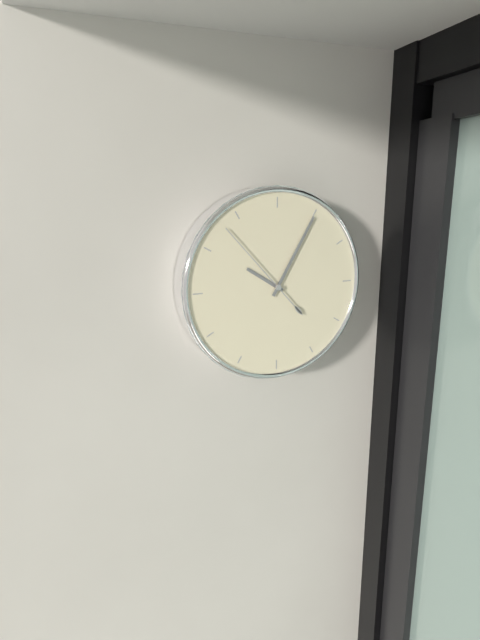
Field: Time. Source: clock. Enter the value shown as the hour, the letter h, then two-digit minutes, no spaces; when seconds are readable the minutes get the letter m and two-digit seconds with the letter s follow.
10h05m53s
